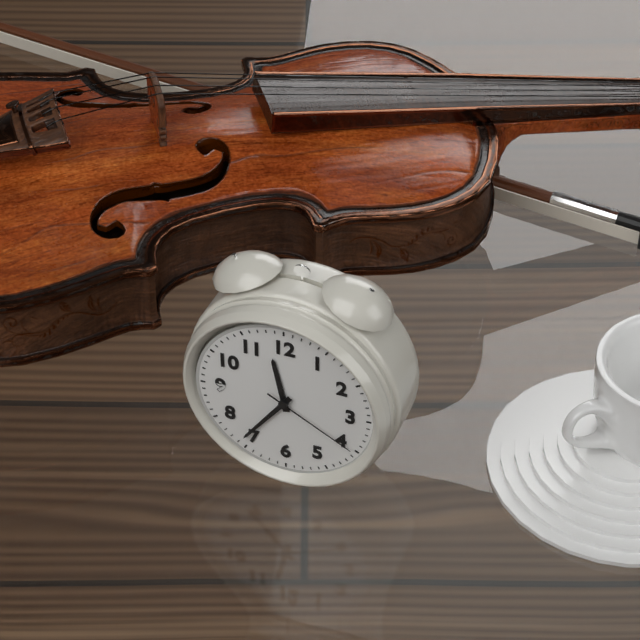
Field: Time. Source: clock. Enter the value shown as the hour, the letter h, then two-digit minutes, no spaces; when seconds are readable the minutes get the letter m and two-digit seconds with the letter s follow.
11h36m20s
